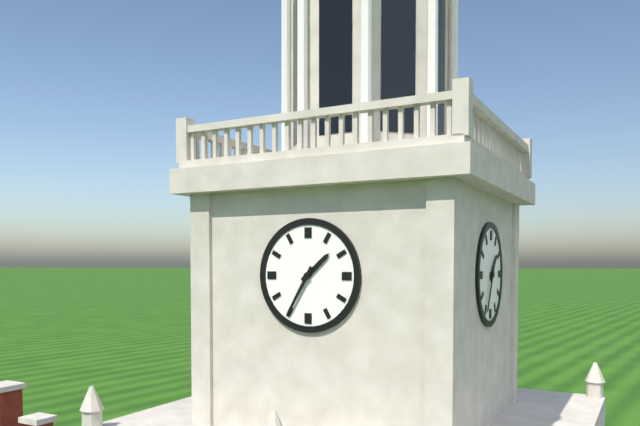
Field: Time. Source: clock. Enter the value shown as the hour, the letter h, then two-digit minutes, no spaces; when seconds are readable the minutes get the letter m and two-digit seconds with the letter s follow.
1h35
